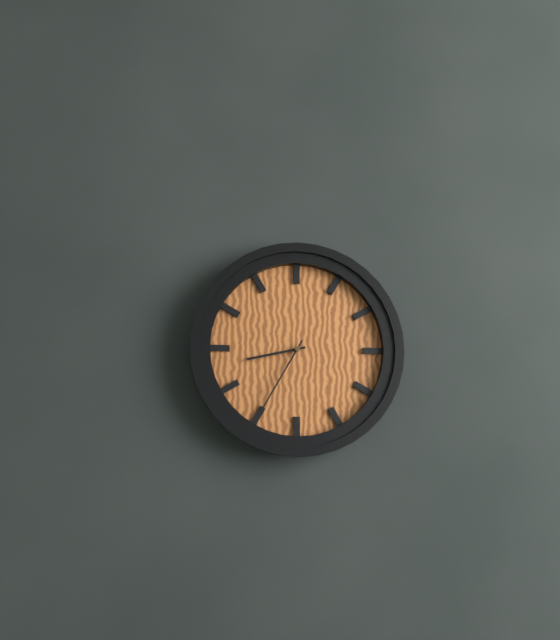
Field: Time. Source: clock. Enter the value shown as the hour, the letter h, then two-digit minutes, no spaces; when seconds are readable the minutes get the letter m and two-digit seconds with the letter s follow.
8h35
